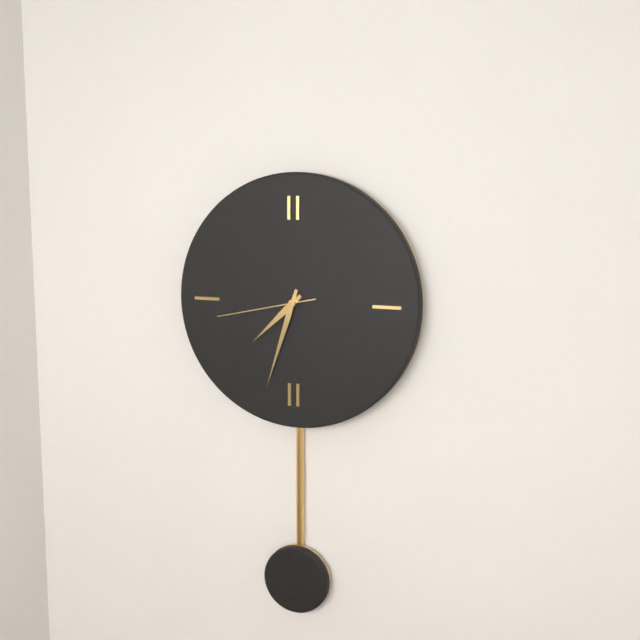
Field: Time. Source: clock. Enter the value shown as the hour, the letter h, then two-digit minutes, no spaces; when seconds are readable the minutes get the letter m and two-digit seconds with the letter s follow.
7h33m43s
